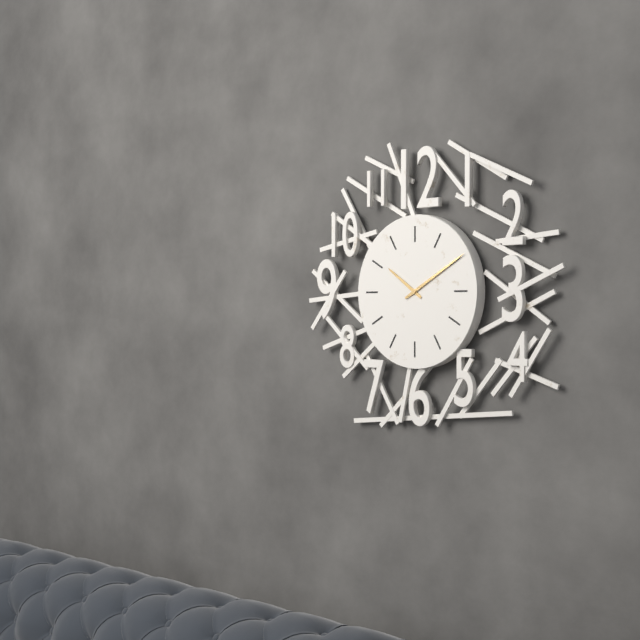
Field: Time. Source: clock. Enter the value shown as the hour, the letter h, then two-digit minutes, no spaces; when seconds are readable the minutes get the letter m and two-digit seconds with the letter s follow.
10h10
